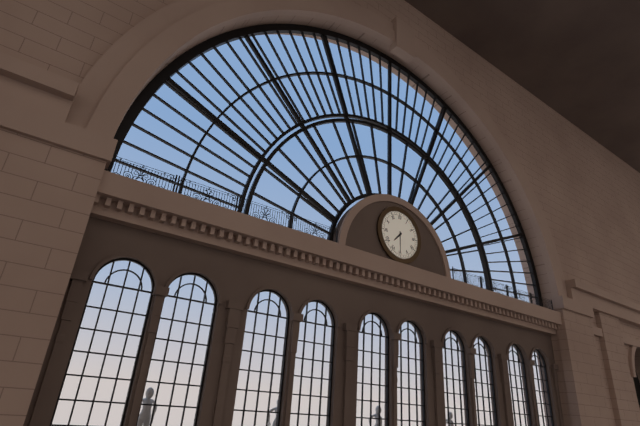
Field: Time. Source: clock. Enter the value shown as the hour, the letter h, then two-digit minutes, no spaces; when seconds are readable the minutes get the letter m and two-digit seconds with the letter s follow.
7h30
